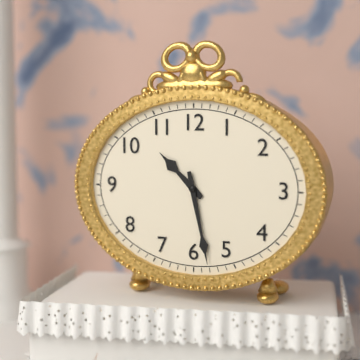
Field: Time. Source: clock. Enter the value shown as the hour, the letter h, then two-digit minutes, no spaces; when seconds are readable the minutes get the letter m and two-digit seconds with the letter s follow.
10h28
